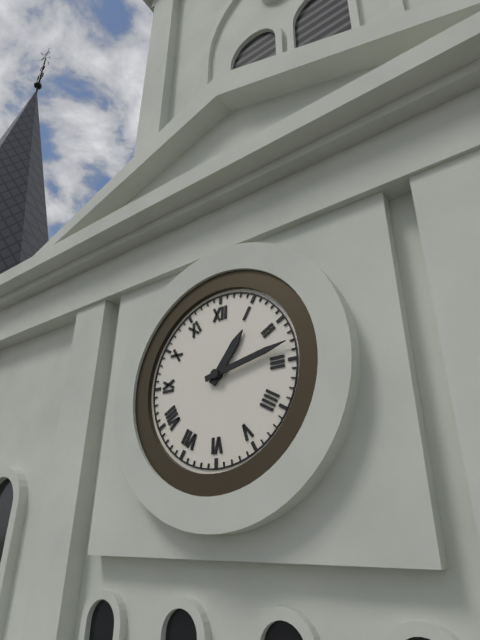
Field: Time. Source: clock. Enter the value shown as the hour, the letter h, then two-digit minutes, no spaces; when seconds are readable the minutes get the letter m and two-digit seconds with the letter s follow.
1h13
